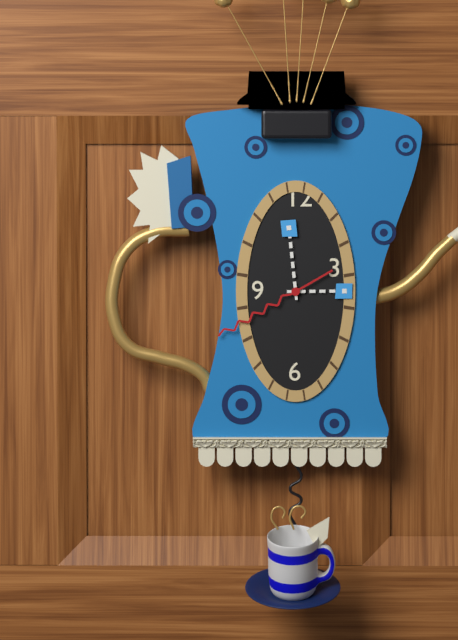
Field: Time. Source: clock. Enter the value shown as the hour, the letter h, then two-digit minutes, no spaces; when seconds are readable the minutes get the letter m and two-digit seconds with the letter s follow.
2h59m40s
